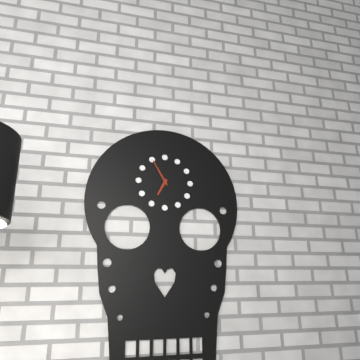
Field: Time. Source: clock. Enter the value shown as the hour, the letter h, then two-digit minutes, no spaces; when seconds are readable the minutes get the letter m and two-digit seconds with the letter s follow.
6h55
